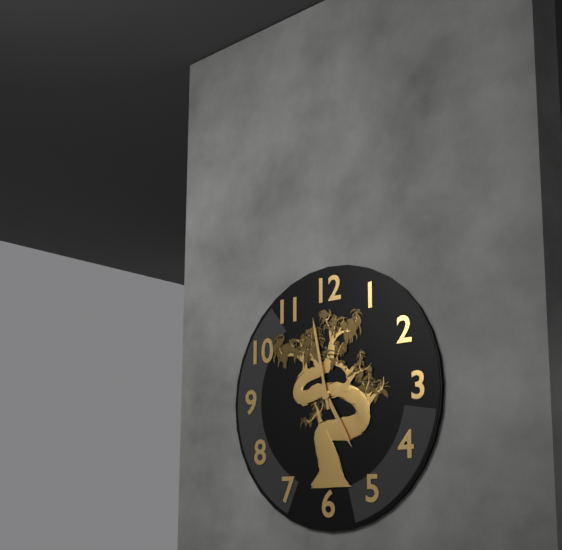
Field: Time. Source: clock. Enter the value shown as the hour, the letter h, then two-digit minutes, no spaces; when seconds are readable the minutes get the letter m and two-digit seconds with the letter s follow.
4h58
